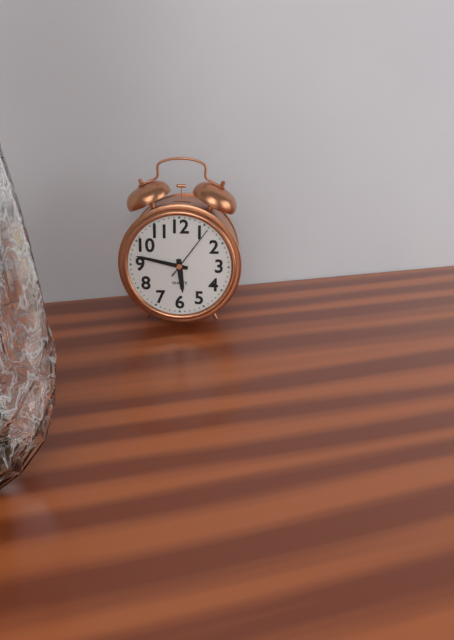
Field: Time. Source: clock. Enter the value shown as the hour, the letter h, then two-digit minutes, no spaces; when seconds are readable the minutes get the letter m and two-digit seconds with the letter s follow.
5h47m06s
